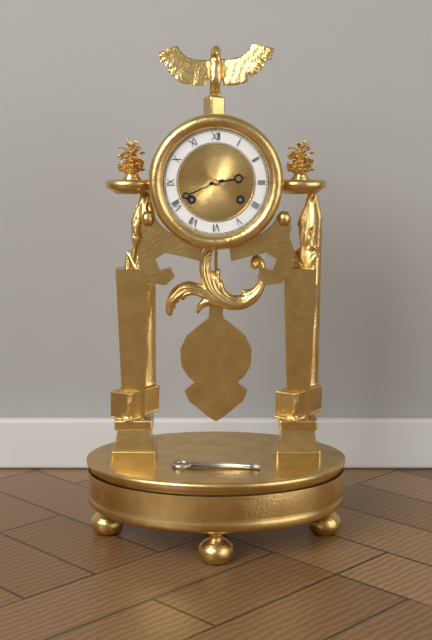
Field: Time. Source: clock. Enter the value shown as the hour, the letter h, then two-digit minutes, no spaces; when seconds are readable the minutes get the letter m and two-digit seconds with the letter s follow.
2h41
